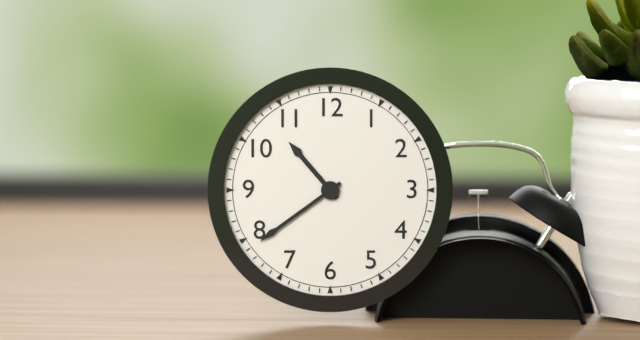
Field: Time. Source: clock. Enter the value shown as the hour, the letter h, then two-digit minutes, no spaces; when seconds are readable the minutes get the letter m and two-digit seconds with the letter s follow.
10h39
